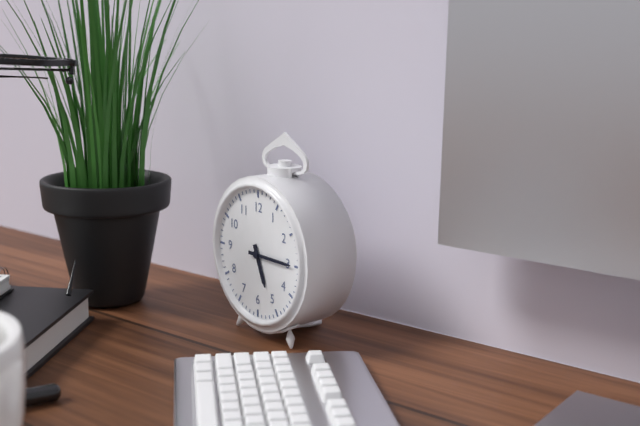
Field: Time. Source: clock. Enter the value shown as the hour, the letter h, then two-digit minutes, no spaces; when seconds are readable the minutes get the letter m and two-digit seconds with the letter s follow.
5h15
